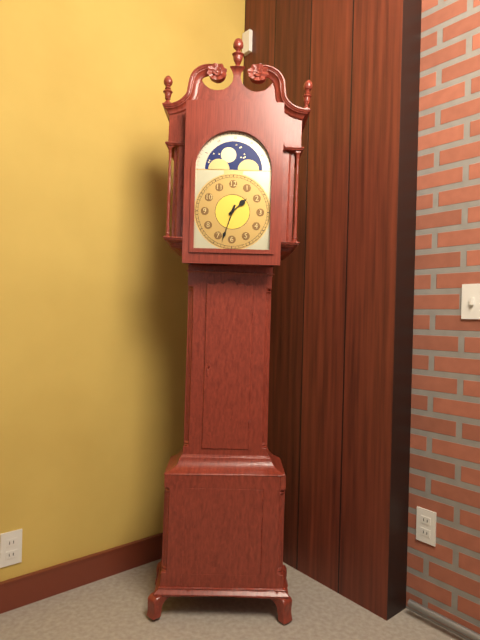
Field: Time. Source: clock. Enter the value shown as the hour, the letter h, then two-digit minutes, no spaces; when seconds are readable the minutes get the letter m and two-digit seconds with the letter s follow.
1h33
